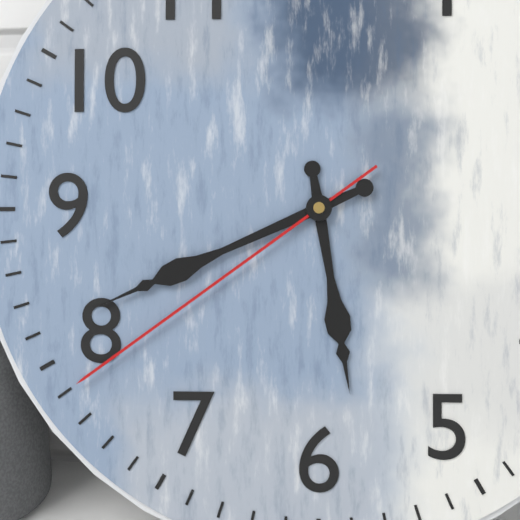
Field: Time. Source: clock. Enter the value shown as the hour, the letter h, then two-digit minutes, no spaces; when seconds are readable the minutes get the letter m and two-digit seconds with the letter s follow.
5h41m39s
